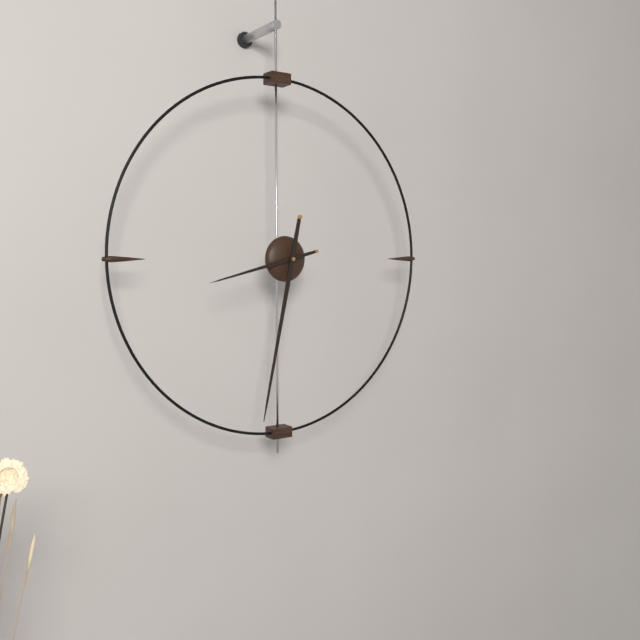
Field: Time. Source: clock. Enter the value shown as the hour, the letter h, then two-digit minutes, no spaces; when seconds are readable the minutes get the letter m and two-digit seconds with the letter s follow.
8h32
